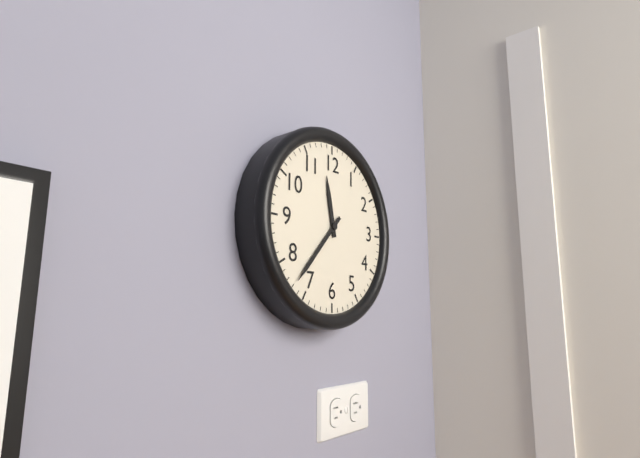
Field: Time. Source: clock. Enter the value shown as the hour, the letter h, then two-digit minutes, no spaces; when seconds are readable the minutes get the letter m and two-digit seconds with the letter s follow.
11h37
